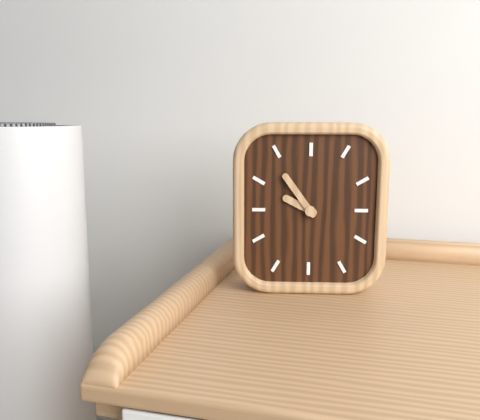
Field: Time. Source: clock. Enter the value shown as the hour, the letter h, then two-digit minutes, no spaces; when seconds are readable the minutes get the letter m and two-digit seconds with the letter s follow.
9h54
